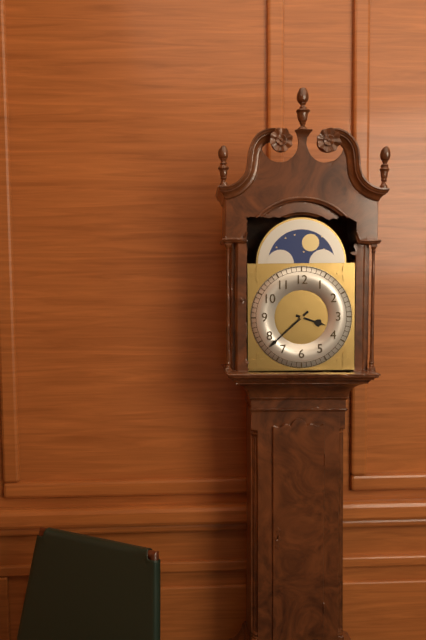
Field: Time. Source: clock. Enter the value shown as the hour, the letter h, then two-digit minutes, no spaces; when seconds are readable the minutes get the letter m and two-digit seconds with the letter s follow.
3h38
